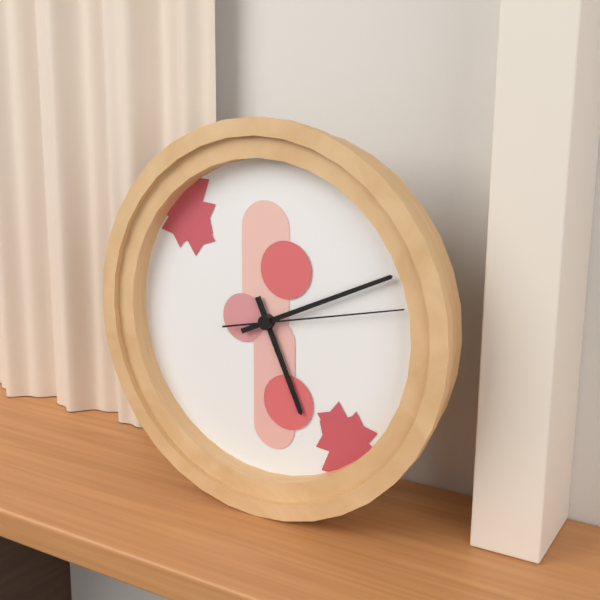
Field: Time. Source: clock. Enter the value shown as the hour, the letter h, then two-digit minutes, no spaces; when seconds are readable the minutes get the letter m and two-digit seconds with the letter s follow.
5h11m13s
